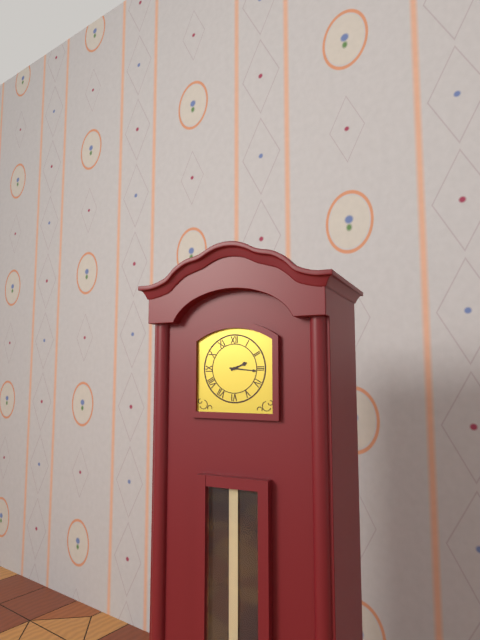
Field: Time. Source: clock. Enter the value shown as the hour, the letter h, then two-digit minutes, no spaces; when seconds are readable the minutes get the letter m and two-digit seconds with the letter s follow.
2h16
